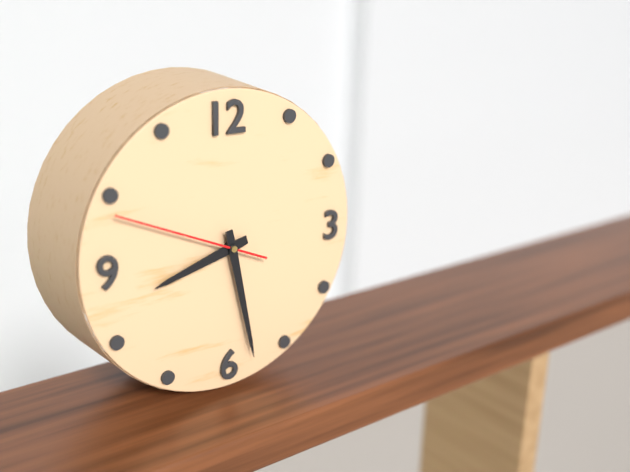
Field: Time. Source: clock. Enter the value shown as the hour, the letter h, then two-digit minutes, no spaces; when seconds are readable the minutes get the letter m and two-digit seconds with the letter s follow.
8h28m49s
